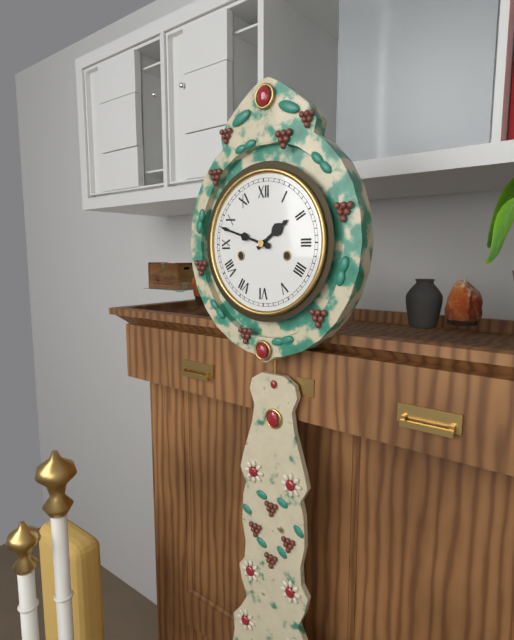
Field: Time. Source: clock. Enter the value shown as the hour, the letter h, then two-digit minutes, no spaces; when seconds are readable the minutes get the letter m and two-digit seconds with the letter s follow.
1h48
